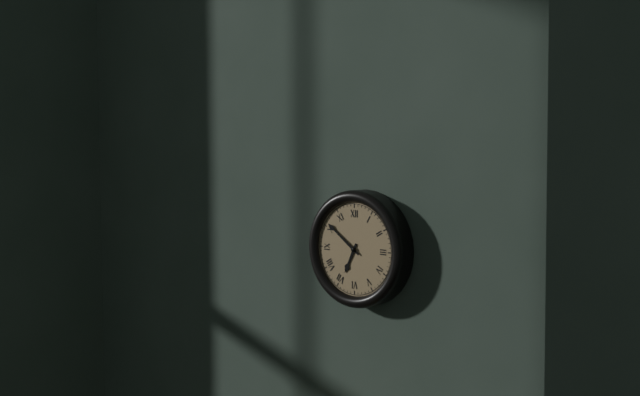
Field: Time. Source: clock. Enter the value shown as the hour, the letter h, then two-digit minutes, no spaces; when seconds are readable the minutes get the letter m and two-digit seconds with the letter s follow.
6h51
